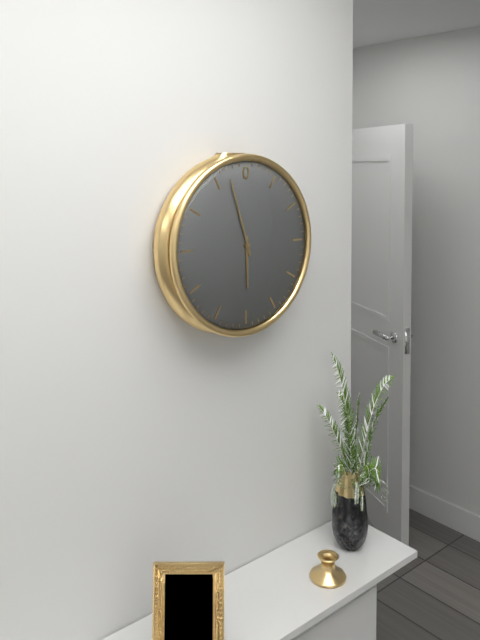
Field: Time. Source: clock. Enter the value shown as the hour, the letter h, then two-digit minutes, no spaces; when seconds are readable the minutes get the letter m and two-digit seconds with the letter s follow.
5h57
